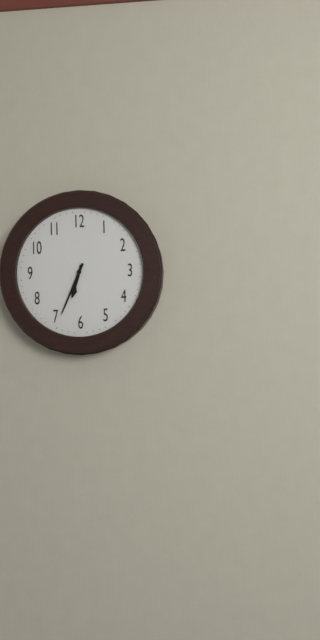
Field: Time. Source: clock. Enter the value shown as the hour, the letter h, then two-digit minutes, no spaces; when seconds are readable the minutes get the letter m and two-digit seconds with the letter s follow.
6h34
